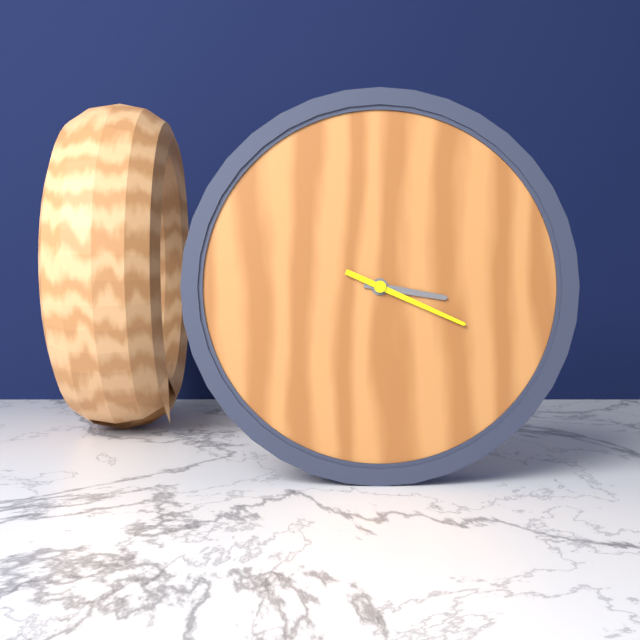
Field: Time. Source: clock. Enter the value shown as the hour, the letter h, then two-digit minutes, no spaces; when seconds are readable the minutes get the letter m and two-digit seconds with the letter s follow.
3h19
